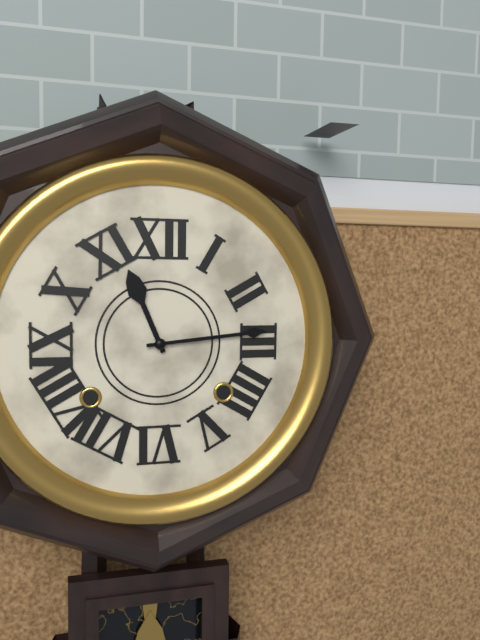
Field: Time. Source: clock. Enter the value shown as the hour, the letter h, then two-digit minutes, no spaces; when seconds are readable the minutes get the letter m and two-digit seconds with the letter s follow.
11h14
